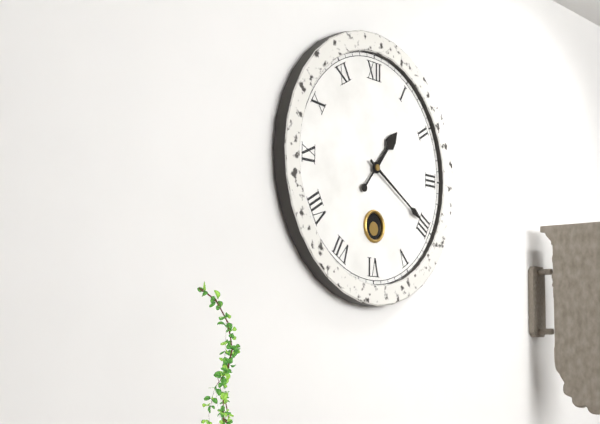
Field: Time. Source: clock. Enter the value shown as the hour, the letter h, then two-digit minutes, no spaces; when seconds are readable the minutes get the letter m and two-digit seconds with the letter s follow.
1h20
